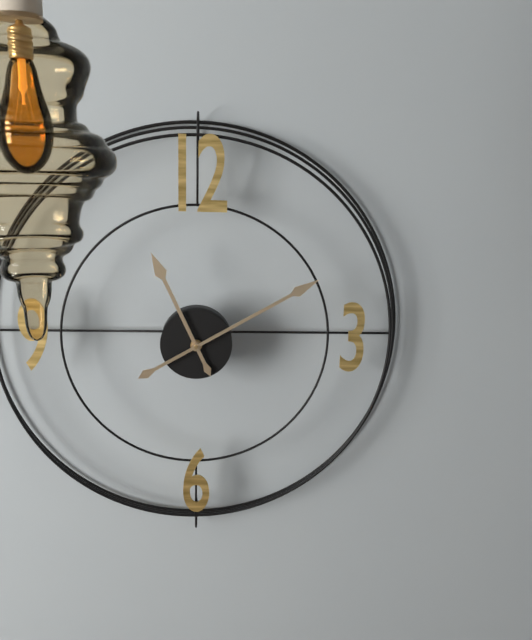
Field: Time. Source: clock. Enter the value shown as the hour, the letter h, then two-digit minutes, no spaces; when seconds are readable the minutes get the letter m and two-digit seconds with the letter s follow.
11h10
